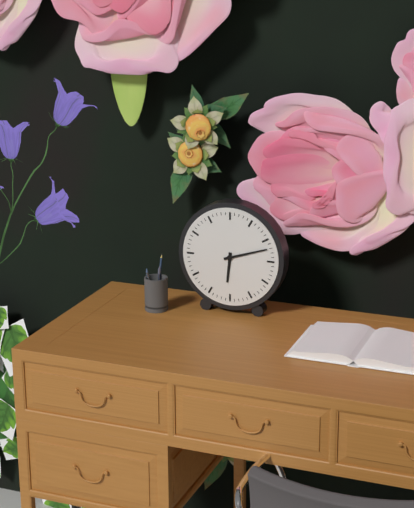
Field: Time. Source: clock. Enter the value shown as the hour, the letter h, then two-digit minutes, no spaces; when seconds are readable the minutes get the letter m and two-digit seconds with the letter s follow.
6h12
